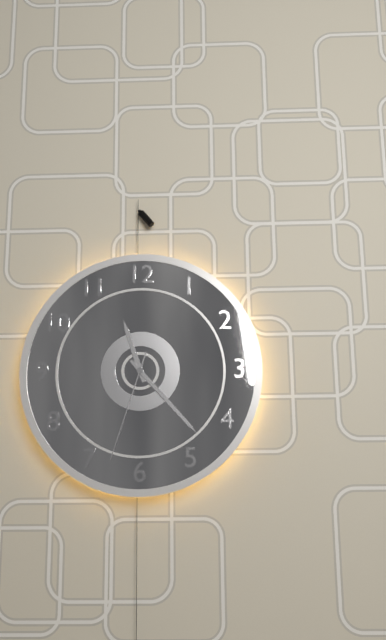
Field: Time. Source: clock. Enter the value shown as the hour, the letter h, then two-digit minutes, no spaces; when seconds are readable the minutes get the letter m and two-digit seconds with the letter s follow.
11h23m33s
